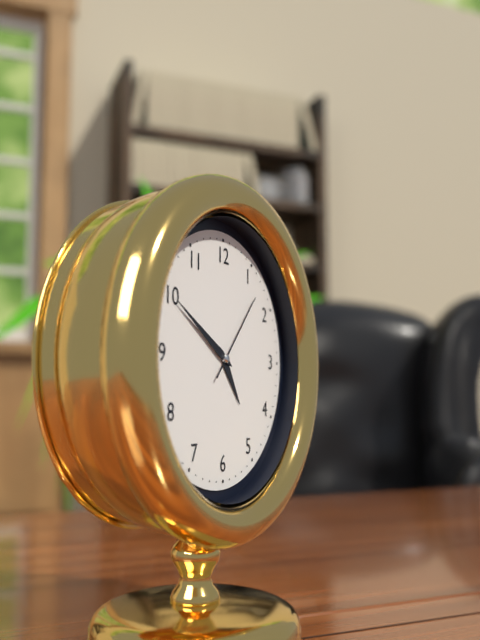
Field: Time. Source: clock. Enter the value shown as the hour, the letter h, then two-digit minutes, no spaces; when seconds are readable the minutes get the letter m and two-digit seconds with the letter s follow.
4h50m07s
